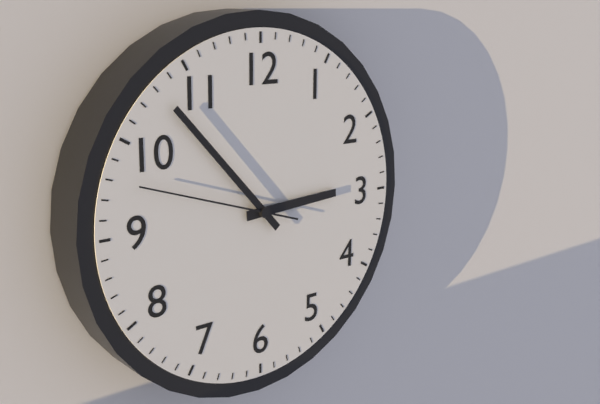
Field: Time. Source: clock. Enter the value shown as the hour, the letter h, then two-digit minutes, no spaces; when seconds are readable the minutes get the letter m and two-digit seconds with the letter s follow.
2h53m48s
